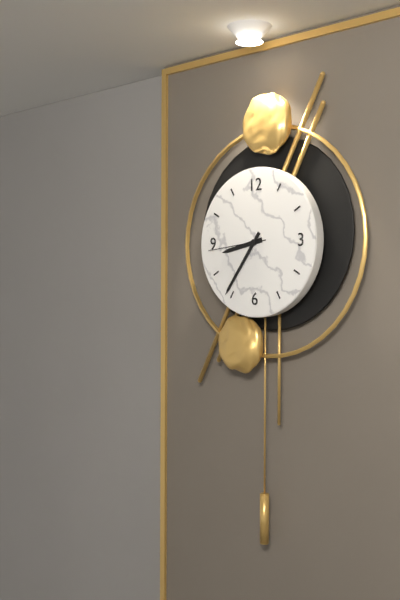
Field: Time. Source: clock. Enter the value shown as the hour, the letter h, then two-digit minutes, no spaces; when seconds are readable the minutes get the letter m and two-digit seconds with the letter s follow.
8h36m44s
